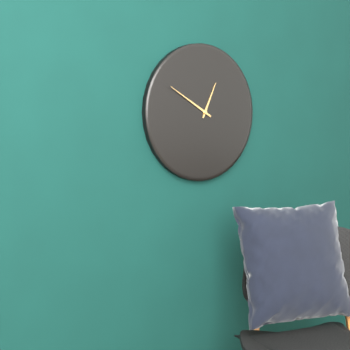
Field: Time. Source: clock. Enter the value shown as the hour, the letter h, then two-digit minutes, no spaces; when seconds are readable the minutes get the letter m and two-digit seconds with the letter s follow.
12h50
